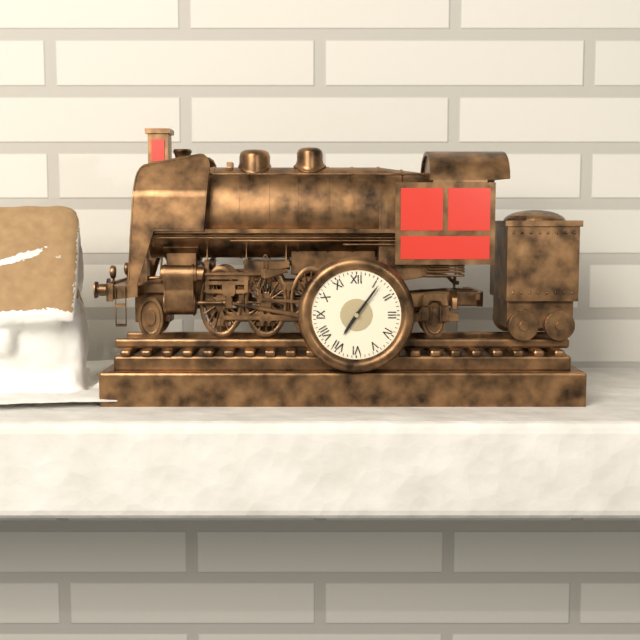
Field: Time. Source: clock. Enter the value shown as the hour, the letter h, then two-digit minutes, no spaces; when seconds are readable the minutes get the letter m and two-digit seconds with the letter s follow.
7h06
